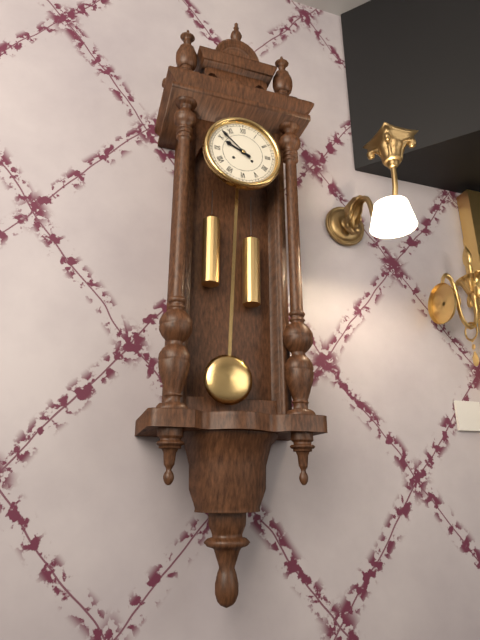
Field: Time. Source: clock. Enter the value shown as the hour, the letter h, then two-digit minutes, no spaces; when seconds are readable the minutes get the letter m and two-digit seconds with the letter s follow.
9h52
